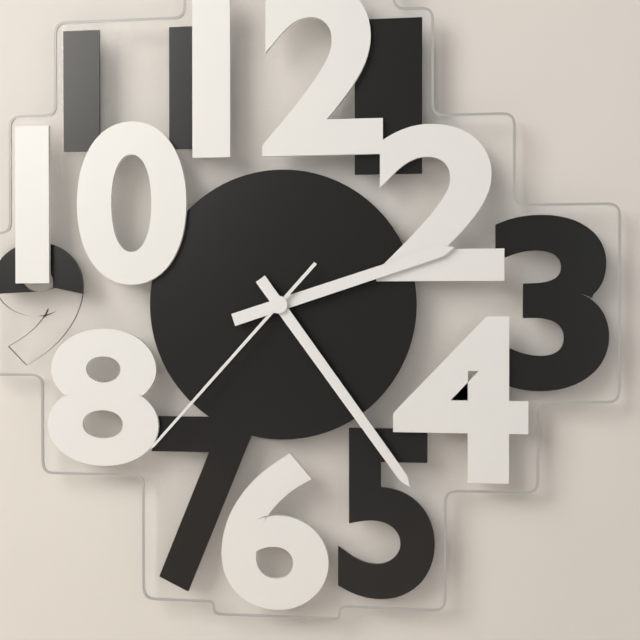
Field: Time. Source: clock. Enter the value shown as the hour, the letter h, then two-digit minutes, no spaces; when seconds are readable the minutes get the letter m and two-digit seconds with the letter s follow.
2h24m37s
